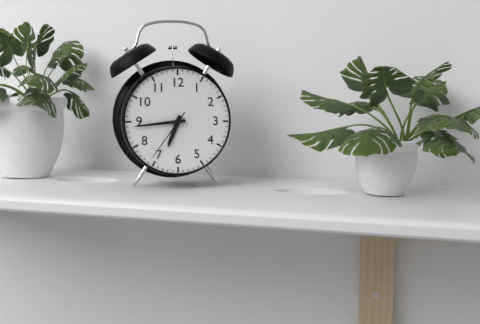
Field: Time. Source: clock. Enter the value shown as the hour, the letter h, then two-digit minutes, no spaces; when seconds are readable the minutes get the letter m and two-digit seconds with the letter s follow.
6h44m36s
